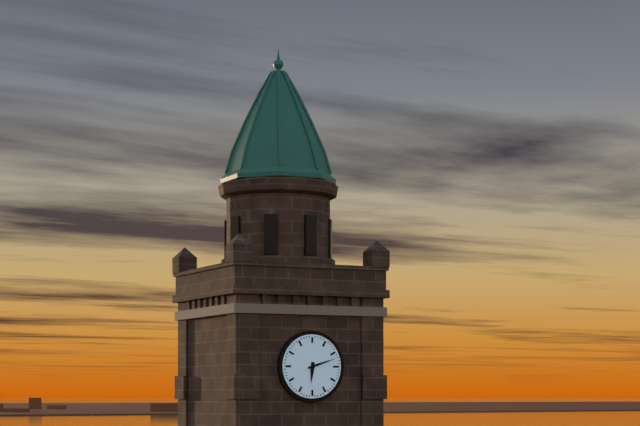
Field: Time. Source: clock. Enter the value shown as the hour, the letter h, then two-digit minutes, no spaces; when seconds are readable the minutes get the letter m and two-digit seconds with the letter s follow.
6h12
